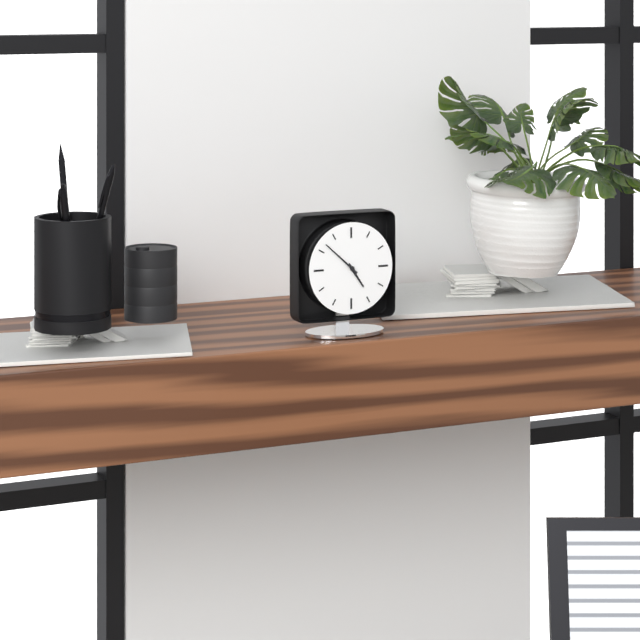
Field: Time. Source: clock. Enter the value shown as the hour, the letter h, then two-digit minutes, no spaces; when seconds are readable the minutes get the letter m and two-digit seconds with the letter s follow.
4h52
